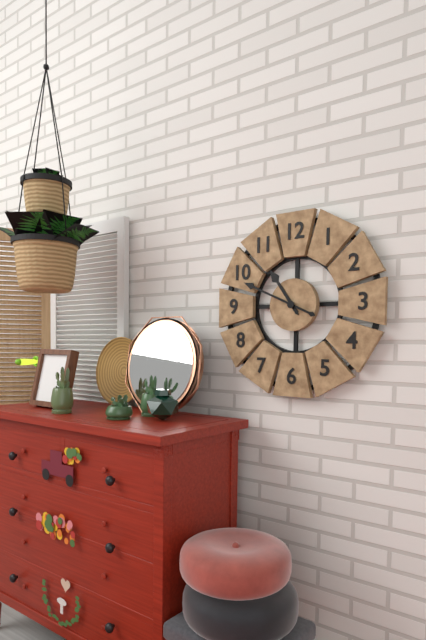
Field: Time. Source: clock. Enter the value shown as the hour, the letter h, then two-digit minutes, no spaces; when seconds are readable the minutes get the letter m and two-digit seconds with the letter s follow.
10h49
